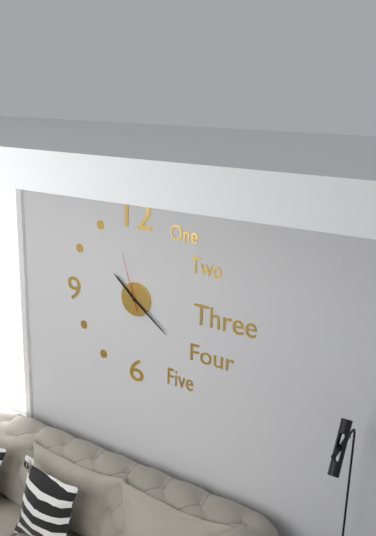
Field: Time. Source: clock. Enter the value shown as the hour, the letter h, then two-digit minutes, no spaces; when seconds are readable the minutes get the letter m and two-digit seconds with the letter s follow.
10h21m57s
